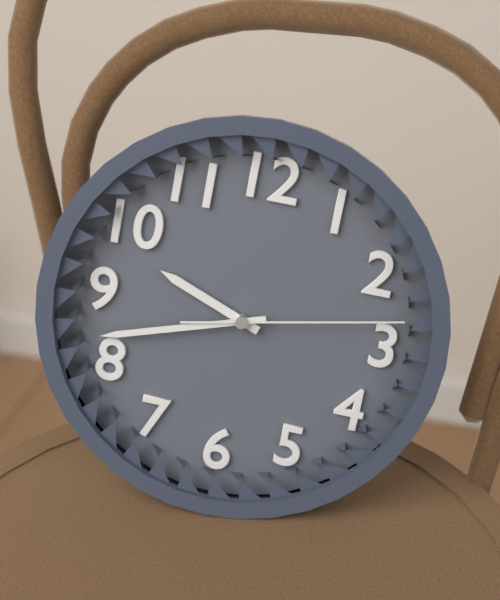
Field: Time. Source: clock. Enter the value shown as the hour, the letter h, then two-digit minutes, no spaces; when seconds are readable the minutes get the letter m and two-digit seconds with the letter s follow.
9h42m13s
